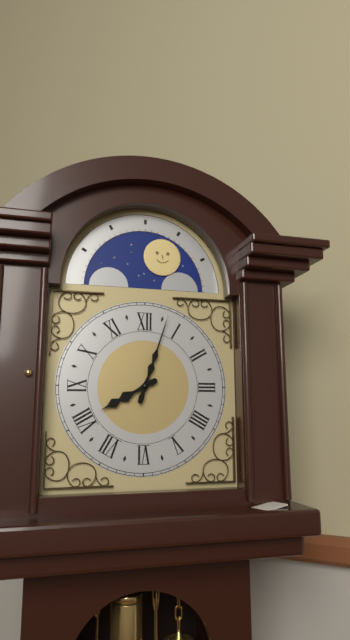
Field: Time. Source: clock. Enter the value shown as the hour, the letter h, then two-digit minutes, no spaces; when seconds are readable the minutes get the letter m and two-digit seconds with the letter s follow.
8h03
